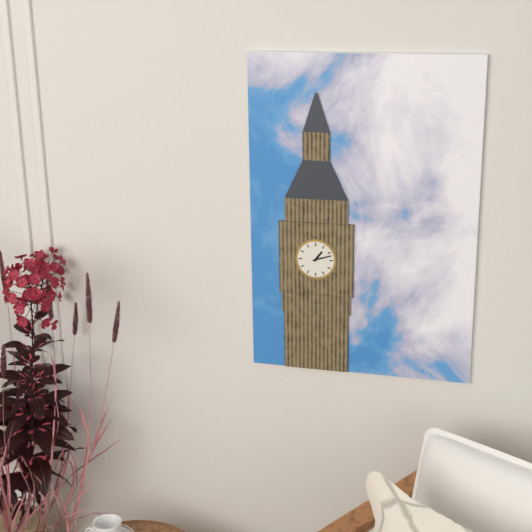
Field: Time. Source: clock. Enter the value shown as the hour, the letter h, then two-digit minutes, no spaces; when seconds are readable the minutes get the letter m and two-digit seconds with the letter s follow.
1h12
